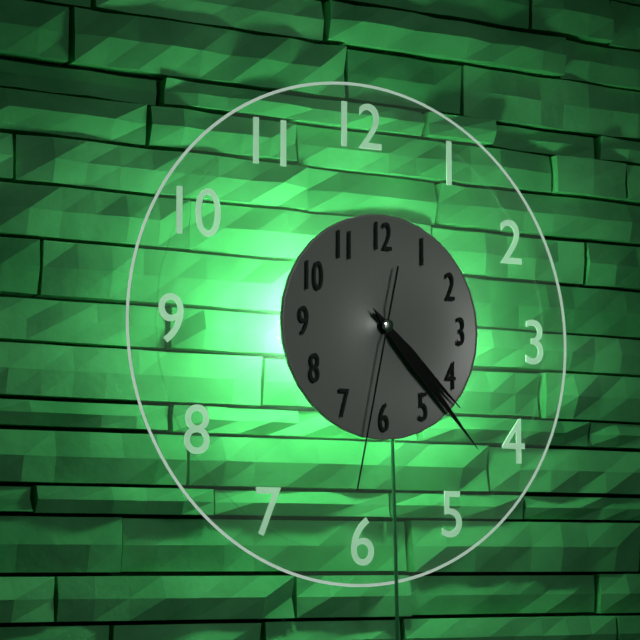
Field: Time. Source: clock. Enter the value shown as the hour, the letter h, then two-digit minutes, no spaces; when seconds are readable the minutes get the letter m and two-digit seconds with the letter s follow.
4h23m32s
